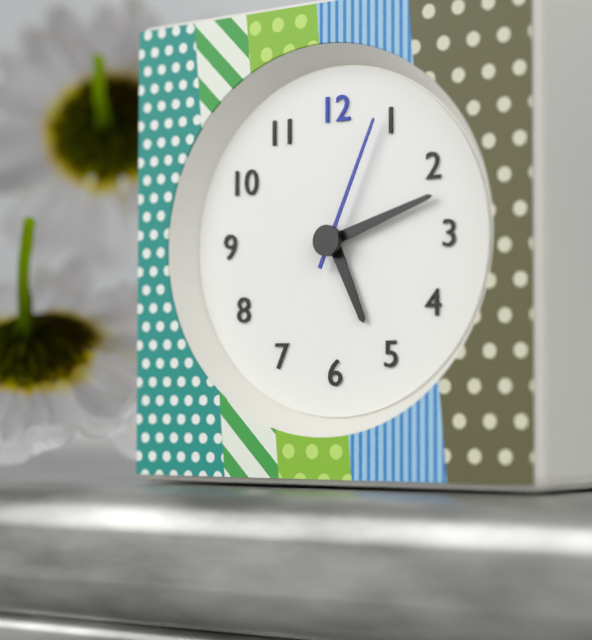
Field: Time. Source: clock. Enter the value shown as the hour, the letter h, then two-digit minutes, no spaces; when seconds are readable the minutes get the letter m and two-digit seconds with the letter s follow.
5h12m04s
